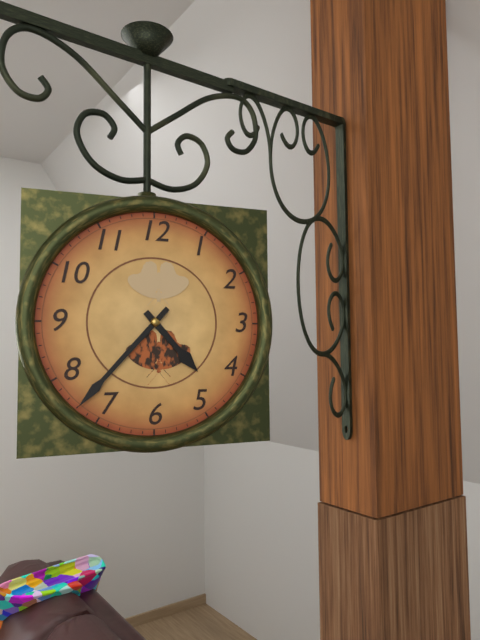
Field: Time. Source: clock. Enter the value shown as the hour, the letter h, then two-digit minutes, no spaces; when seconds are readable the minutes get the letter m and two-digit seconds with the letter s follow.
4h37
